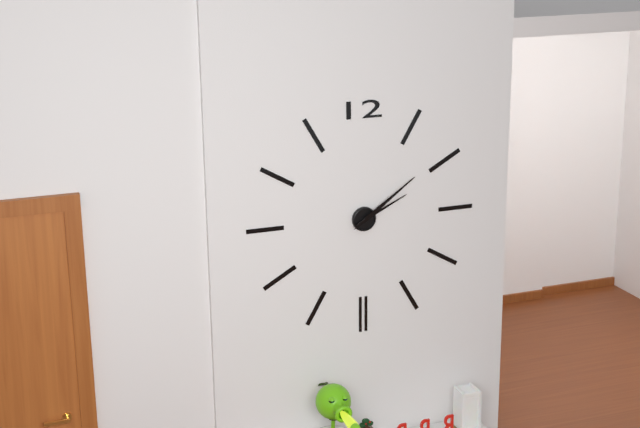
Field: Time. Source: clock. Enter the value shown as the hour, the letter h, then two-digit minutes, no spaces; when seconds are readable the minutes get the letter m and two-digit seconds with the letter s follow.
2h09
